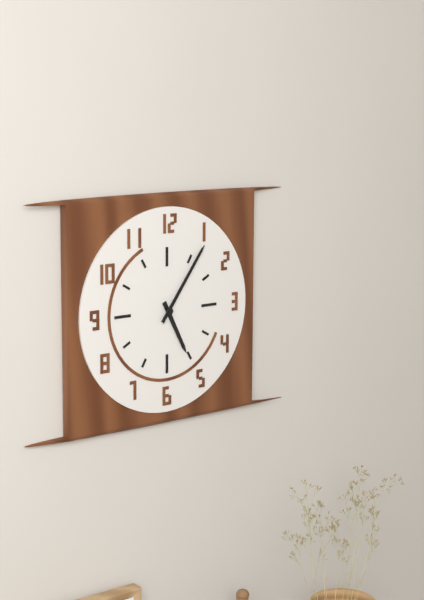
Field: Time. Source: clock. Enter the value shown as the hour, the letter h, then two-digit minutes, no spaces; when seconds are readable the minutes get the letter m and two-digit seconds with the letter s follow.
5h06
